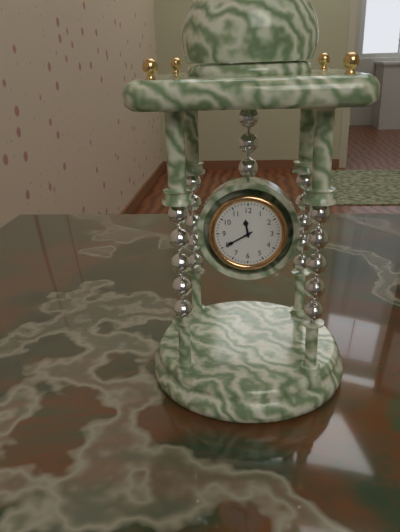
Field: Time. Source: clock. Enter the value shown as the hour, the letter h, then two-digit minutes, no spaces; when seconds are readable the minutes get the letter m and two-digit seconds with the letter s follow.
11h40
